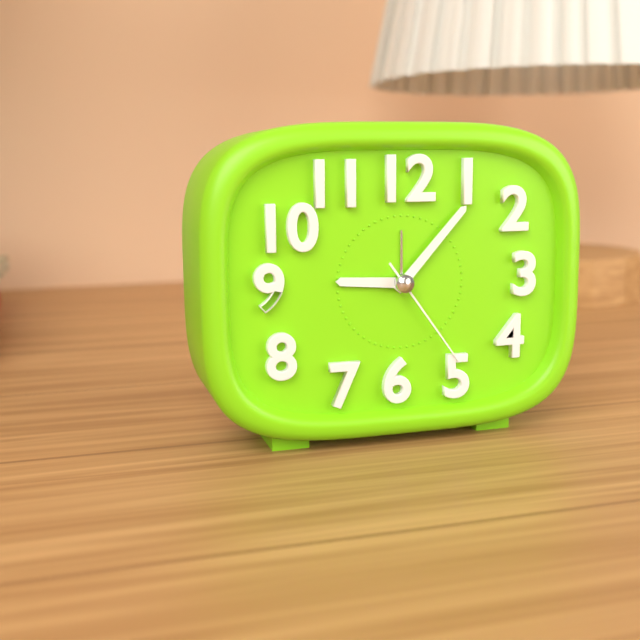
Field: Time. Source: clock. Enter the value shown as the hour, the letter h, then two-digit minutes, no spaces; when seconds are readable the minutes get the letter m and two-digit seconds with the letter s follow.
9h07m24s
